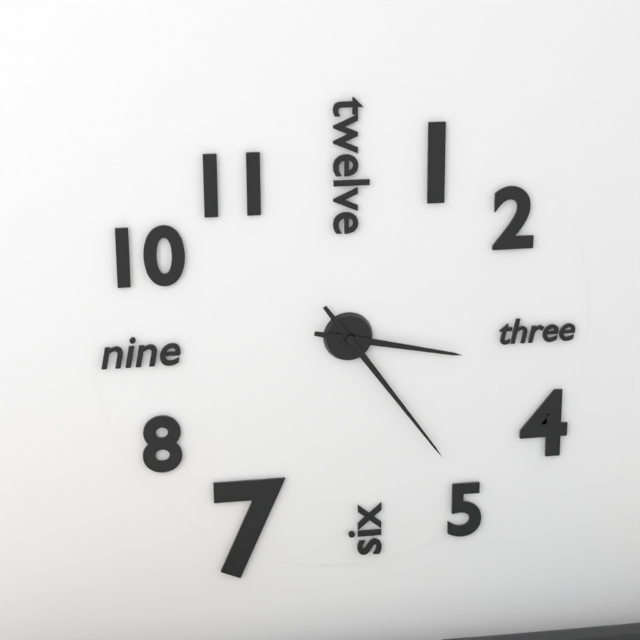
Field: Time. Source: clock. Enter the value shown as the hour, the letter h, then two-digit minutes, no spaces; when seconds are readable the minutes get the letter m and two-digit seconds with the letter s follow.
3h24
